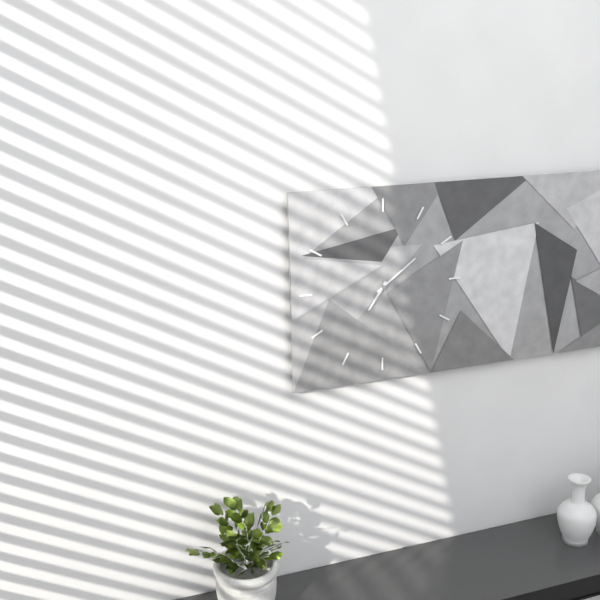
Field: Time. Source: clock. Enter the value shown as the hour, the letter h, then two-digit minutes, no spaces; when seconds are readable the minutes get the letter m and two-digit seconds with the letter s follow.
7h09
